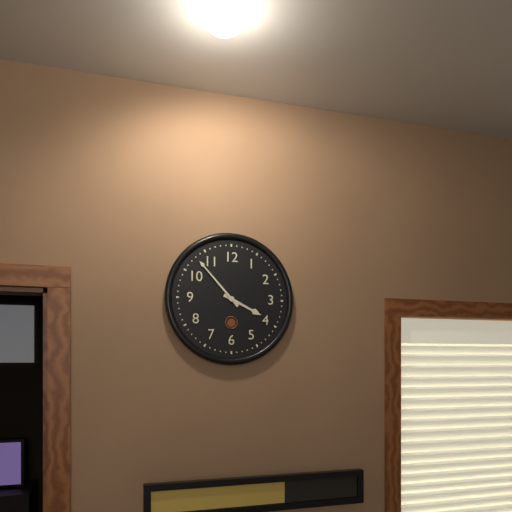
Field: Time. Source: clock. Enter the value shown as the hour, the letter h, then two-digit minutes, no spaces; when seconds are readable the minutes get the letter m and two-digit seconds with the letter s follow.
3h53
